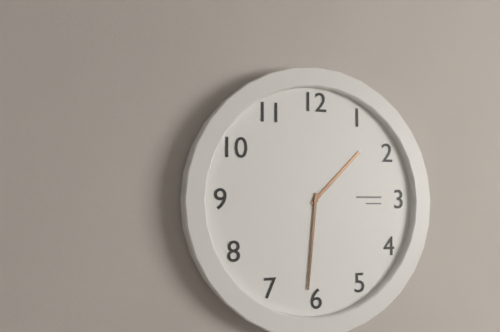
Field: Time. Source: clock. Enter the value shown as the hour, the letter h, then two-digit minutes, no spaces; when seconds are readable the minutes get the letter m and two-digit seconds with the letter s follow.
1h31
